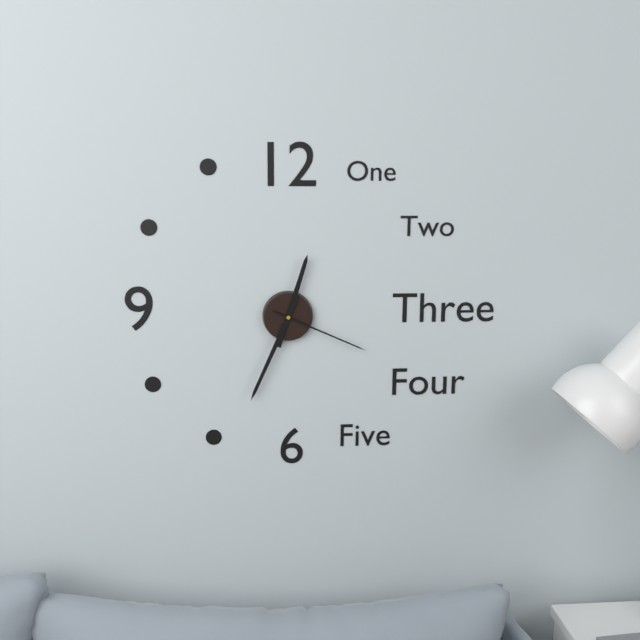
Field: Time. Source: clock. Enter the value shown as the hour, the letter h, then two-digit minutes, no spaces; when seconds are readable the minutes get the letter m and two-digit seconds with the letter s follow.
12h34m19s
